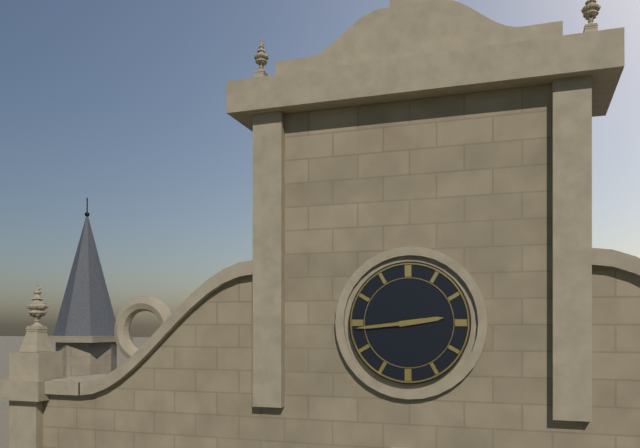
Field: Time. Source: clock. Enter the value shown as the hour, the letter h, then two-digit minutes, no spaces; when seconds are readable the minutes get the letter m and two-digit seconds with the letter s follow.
2h44
